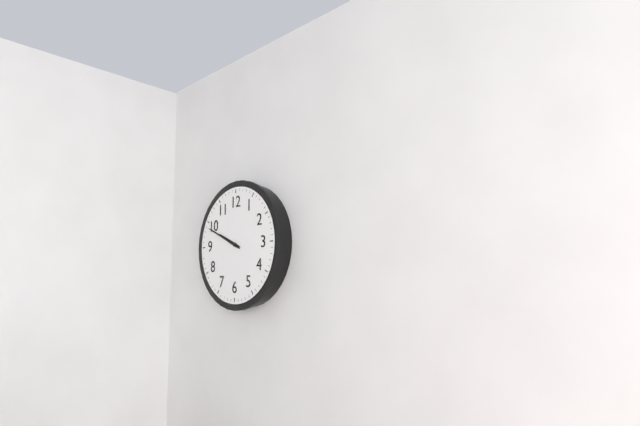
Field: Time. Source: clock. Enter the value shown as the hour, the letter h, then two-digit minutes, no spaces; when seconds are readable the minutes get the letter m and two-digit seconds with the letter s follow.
9h49
